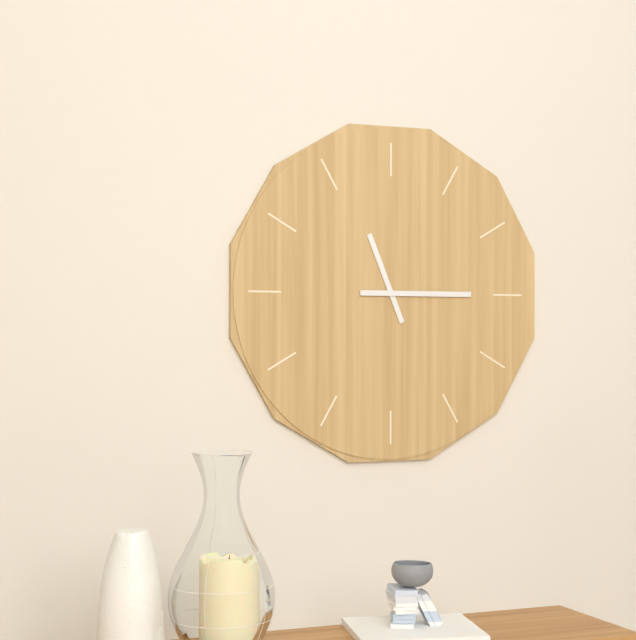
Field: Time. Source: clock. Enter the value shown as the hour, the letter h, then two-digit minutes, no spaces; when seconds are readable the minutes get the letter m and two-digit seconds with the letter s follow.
11h15
